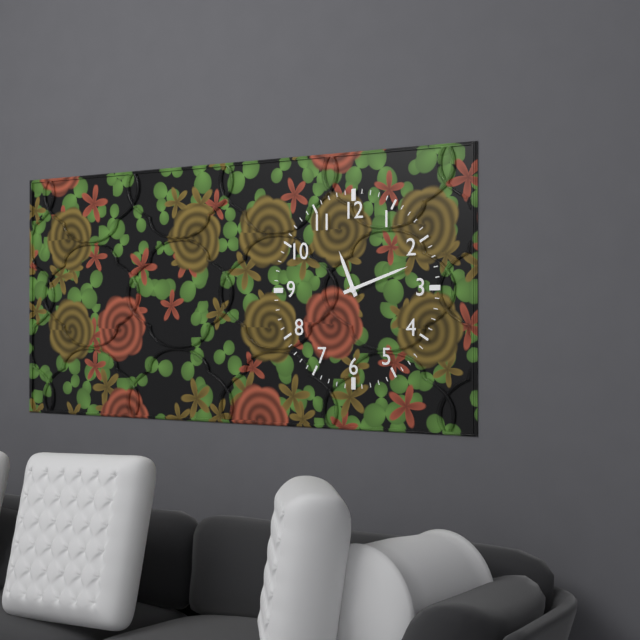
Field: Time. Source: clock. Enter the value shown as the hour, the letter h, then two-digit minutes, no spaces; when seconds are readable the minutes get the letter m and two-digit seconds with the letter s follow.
11h12
